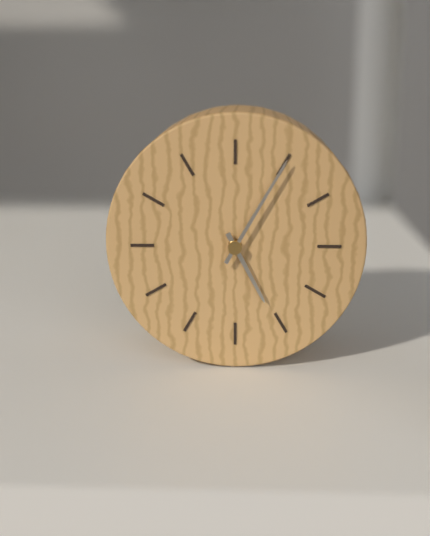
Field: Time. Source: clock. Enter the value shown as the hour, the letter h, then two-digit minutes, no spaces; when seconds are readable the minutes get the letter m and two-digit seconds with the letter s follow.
5h05
